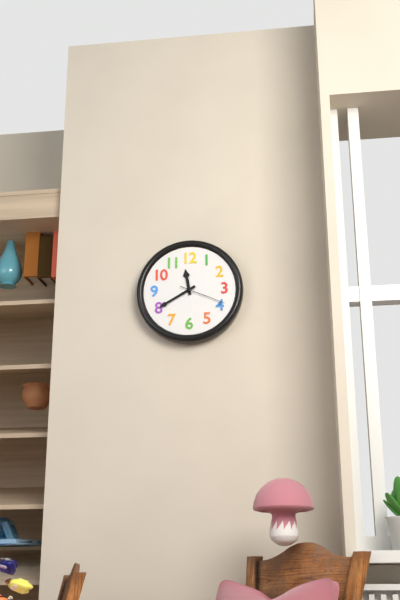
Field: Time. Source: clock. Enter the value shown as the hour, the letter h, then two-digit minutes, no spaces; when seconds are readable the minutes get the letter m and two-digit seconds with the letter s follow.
11h40
